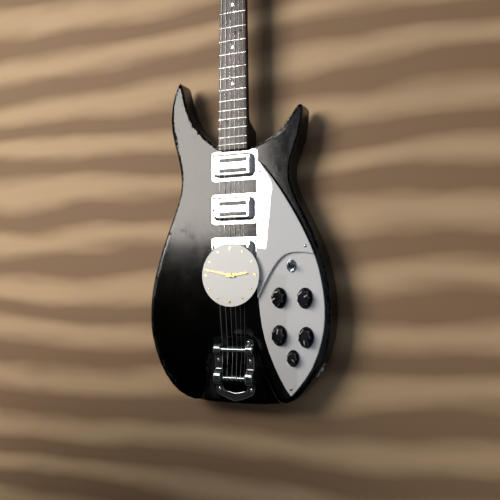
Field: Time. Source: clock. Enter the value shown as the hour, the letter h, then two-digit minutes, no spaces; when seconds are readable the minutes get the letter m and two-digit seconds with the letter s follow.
2h47
